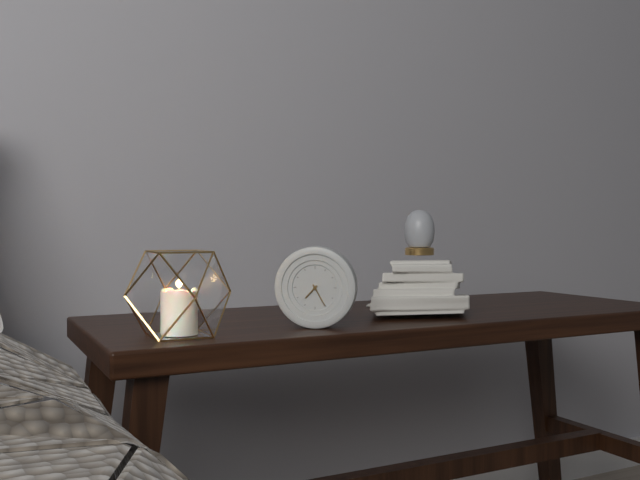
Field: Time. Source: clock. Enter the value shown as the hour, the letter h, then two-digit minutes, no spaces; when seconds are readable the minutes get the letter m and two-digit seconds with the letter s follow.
7h25
